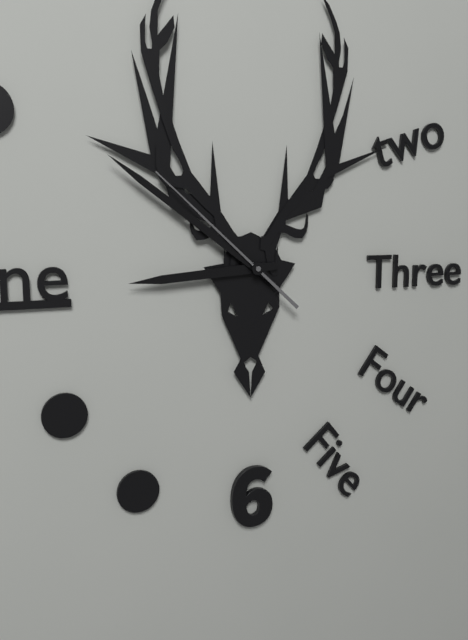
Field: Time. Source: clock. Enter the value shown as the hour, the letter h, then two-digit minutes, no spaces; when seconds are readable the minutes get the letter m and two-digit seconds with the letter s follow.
8h51m52s
